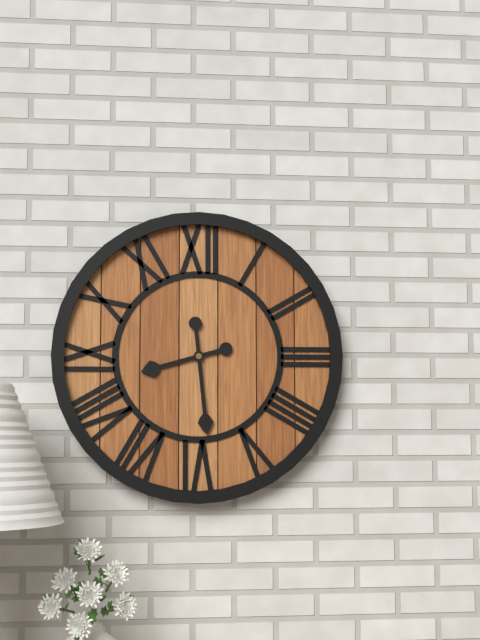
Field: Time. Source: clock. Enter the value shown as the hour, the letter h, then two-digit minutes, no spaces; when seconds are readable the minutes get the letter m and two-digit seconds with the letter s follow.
8h29
